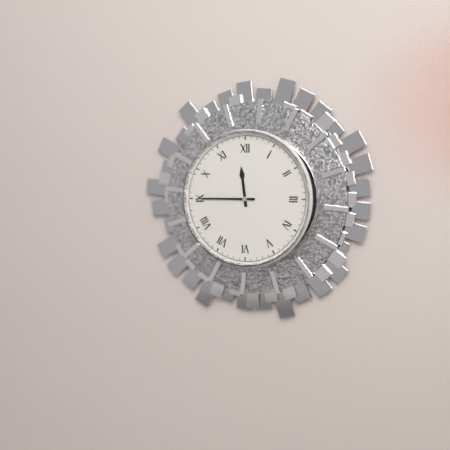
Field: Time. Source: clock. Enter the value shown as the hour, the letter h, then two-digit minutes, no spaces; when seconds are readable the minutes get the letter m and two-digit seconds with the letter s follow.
11h45
